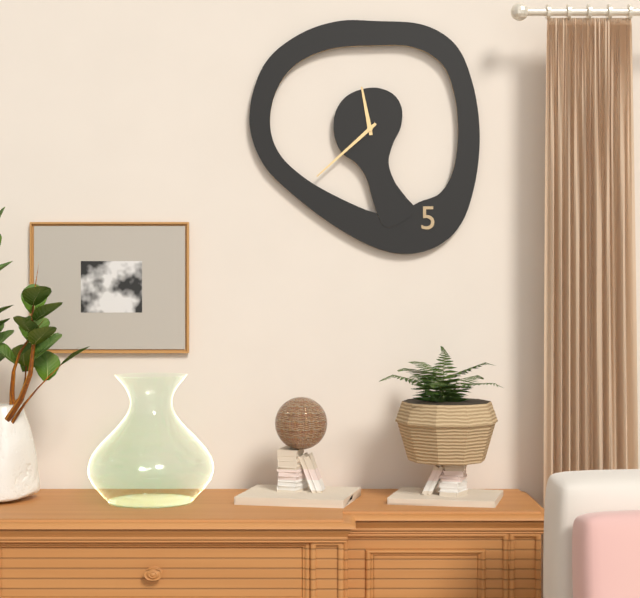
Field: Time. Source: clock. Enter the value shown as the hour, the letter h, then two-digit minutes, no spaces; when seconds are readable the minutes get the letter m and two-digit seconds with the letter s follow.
11h38
